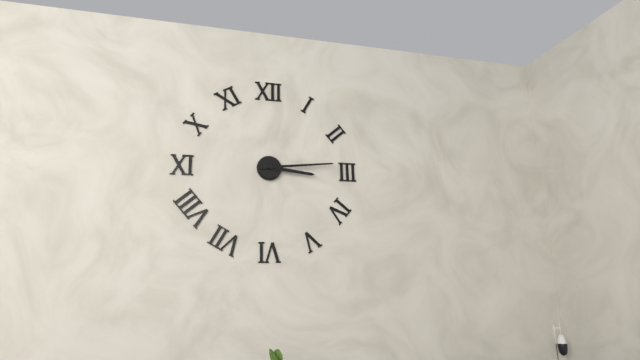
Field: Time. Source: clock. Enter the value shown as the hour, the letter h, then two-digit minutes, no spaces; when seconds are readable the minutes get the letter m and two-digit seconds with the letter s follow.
3h14
